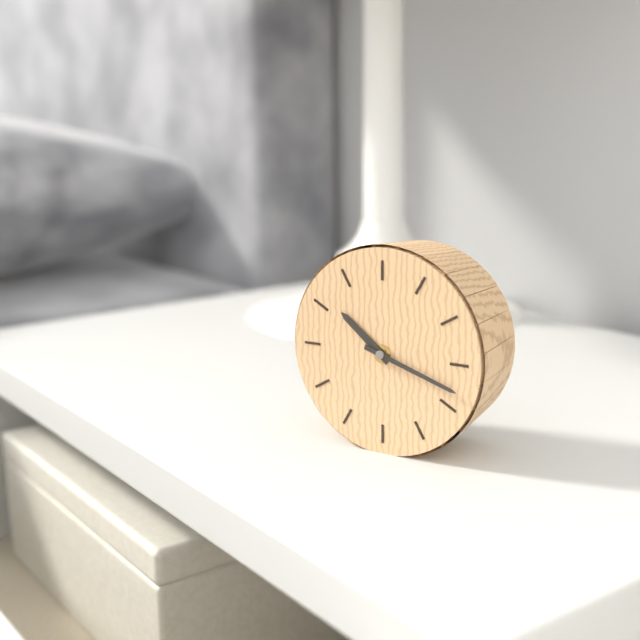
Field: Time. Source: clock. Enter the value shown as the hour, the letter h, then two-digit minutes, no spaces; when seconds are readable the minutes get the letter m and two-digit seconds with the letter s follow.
10h18
